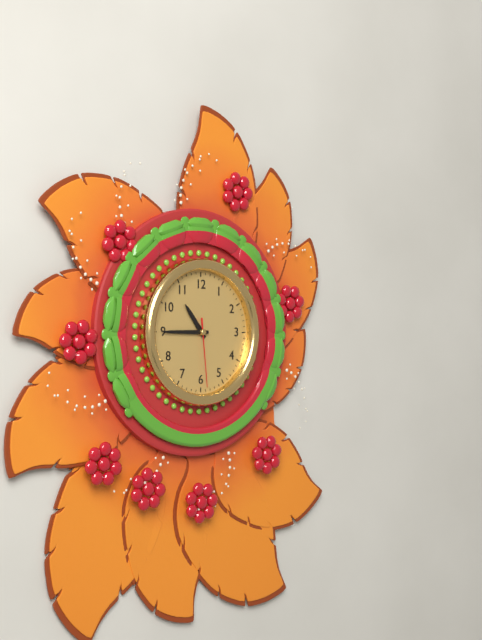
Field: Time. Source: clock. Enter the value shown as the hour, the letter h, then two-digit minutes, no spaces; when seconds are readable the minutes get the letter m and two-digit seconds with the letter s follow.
10h45m29s
